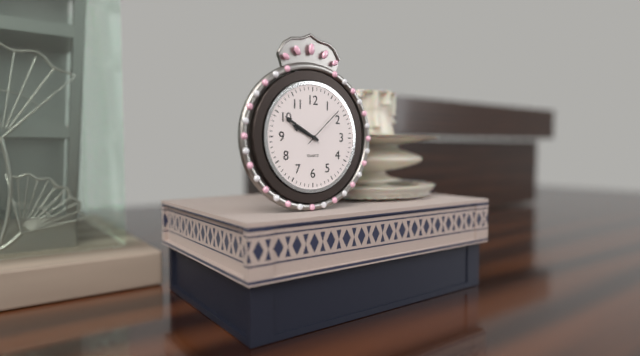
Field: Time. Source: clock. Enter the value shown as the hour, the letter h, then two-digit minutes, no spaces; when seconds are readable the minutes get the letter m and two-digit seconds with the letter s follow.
9h50m08s
